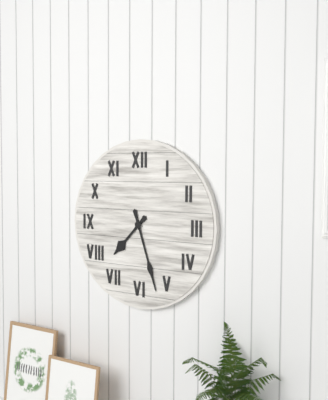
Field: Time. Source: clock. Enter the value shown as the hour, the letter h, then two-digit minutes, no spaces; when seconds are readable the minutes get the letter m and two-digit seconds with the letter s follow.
7h27
